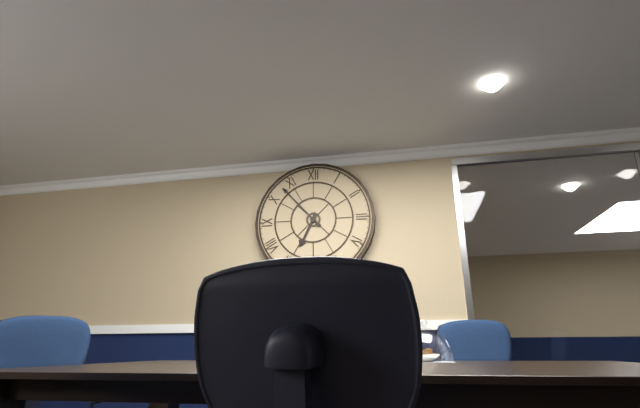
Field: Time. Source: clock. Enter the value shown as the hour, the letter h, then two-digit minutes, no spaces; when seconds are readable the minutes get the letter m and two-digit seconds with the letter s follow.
6h53
